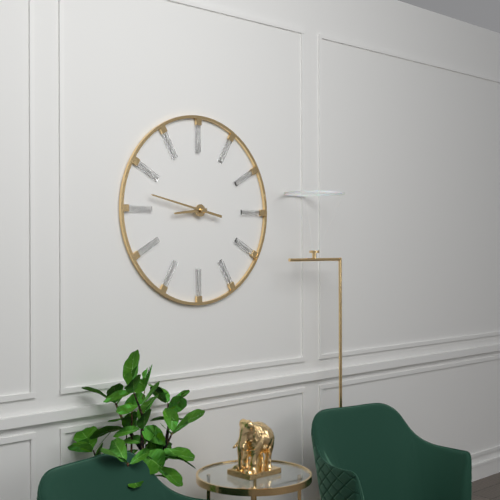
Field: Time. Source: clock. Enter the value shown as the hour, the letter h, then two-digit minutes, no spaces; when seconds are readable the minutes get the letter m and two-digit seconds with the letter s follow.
8h47
